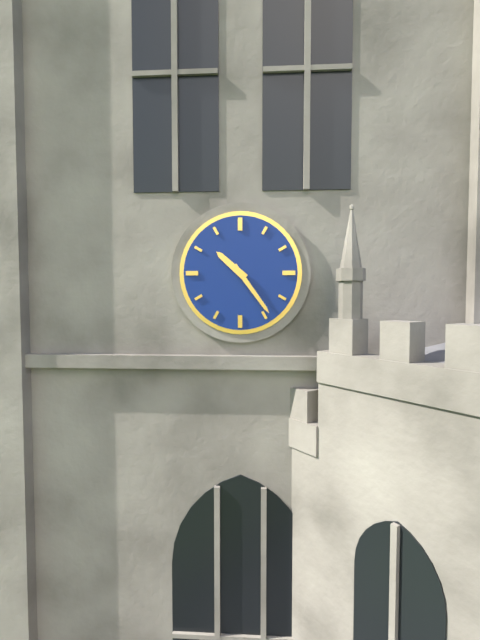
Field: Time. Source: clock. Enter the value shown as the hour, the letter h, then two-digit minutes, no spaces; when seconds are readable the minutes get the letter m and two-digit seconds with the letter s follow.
10h24
